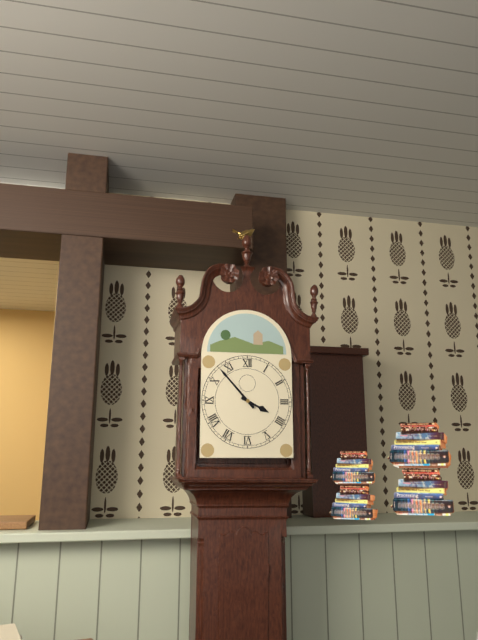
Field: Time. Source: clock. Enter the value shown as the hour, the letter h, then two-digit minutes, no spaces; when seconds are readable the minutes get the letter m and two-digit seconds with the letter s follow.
3h53
